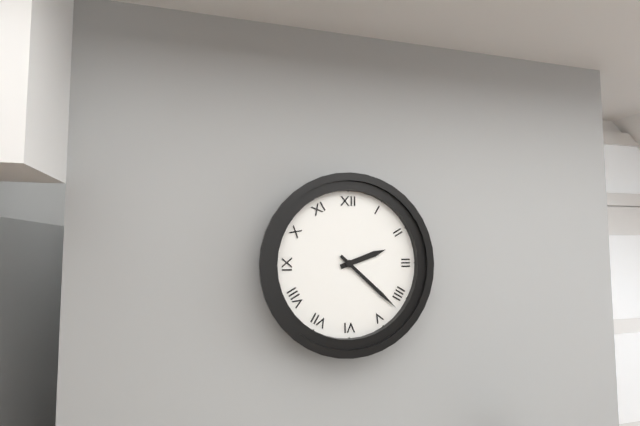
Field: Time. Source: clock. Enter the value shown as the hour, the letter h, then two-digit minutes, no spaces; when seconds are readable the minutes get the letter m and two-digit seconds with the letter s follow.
2h22
